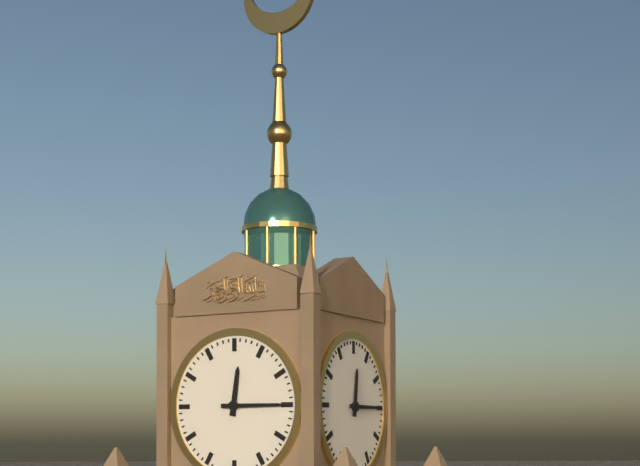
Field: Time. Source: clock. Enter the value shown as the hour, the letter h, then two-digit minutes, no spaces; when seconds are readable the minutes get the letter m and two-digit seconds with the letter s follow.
12h15
